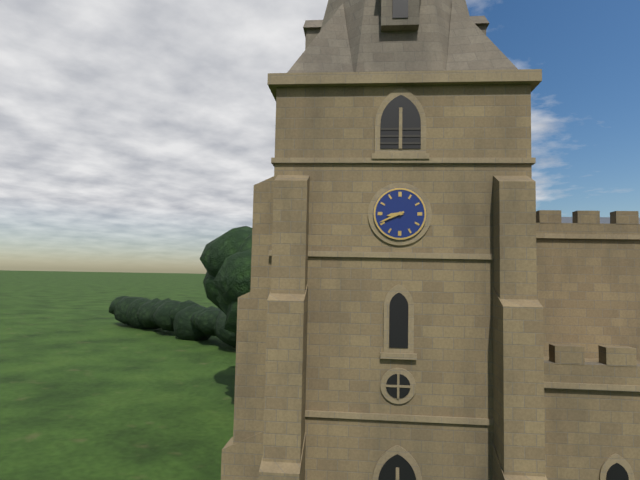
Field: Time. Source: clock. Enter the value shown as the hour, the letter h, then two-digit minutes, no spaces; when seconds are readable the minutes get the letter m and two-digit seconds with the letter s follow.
8h41
